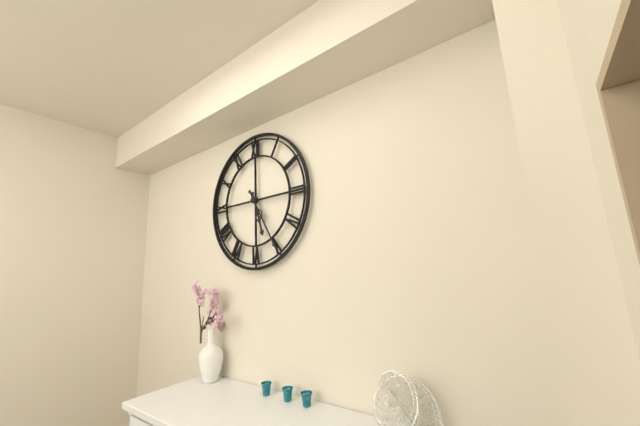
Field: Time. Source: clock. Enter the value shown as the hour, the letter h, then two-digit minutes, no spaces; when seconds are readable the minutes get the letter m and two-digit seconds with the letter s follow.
5h25
